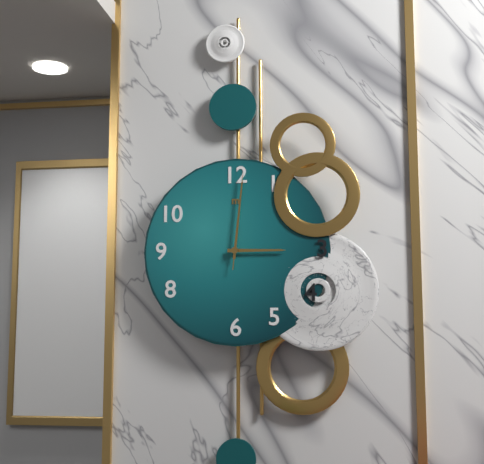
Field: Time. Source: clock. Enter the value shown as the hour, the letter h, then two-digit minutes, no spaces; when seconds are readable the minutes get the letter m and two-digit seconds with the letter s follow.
3h01m01s
